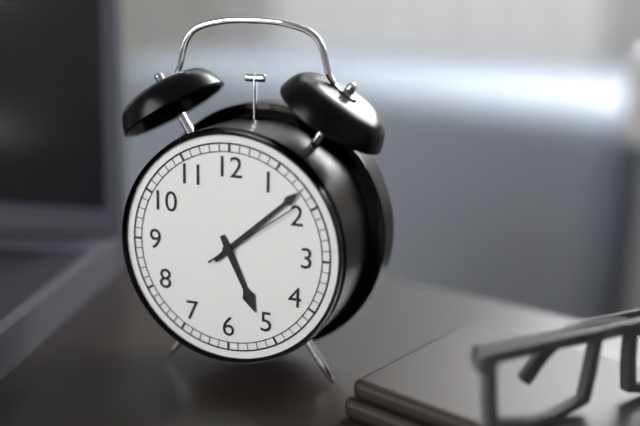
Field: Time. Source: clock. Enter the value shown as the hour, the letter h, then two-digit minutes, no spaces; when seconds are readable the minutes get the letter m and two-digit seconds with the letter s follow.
5h08m09s
